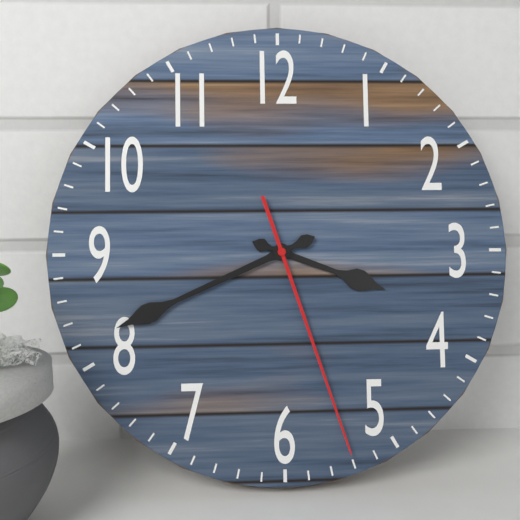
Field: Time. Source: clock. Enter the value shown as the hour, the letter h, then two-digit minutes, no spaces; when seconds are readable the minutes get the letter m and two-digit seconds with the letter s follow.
3h41m27s
